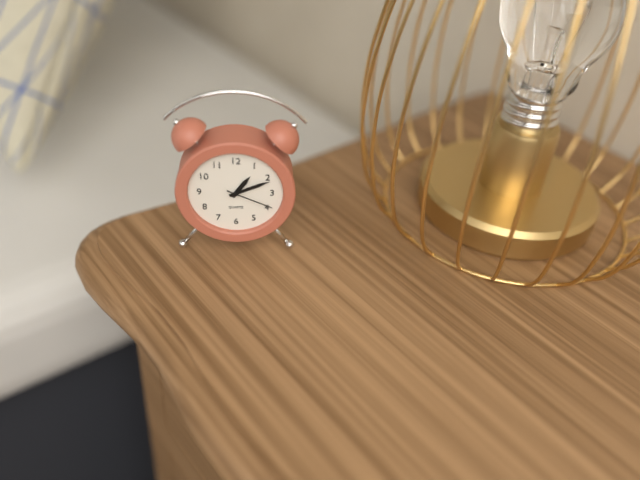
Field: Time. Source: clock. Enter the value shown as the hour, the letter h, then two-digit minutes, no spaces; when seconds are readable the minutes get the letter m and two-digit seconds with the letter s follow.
1h11
